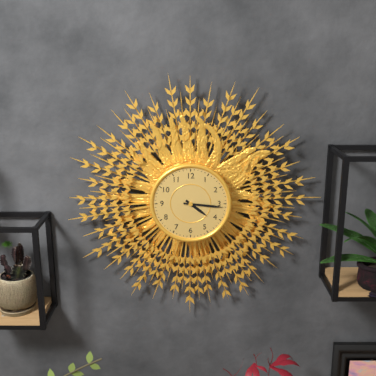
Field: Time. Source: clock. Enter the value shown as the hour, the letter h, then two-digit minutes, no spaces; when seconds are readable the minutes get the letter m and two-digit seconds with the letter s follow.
4h16
